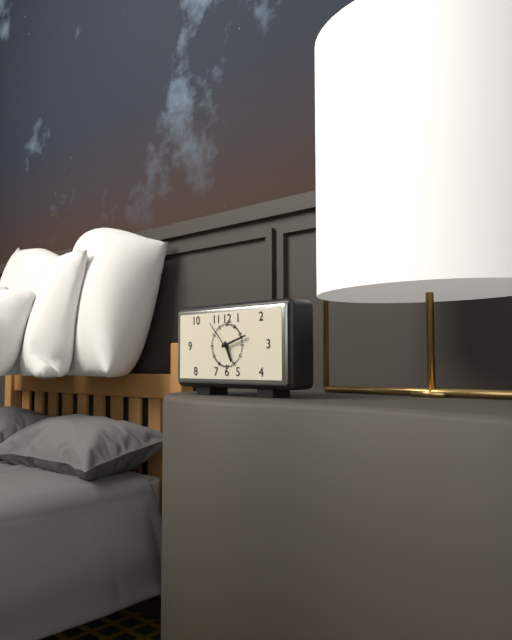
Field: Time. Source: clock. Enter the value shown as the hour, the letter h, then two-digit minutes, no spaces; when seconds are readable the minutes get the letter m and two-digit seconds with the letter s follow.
5h12
